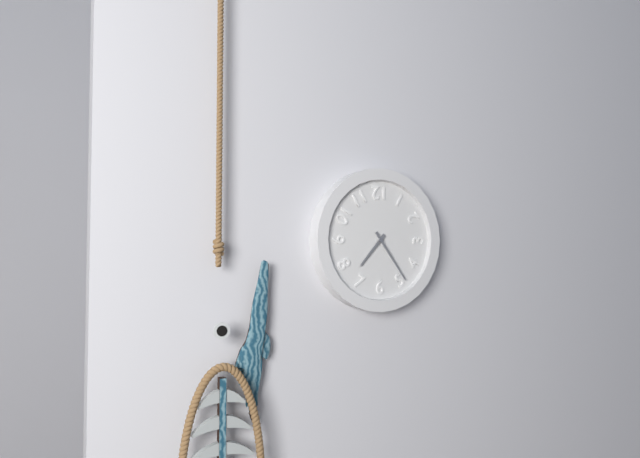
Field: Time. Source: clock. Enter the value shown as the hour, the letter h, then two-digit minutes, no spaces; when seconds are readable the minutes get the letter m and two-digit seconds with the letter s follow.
7h24
